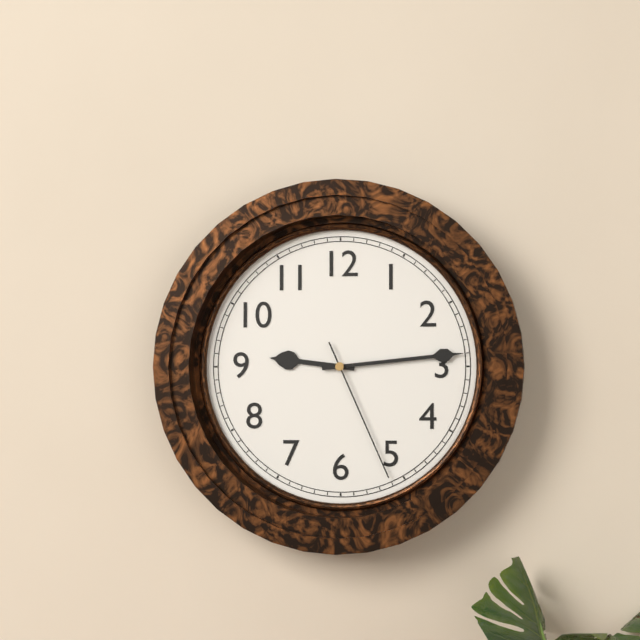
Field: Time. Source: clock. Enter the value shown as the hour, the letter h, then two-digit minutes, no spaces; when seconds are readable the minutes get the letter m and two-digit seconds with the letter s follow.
9h14m26s
